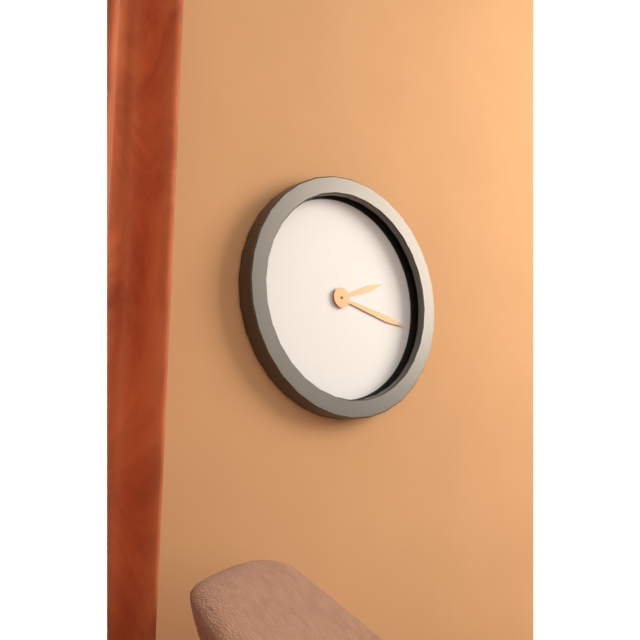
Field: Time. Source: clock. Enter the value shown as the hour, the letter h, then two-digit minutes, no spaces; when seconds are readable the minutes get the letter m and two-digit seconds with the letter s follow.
2h17
